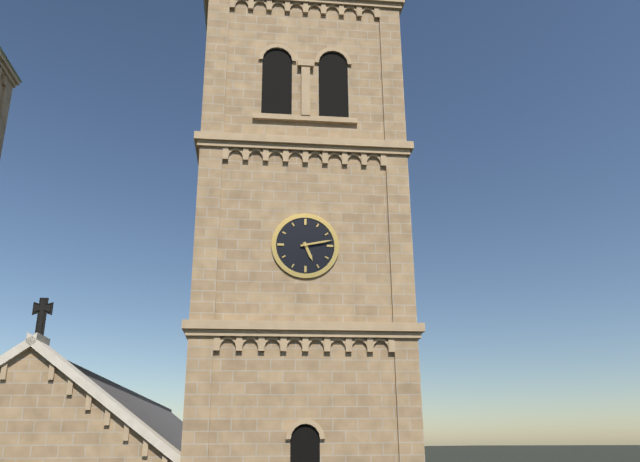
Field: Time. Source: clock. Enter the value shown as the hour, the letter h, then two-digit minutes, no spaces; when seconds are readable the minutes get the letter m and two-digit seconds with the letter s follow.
5h13
